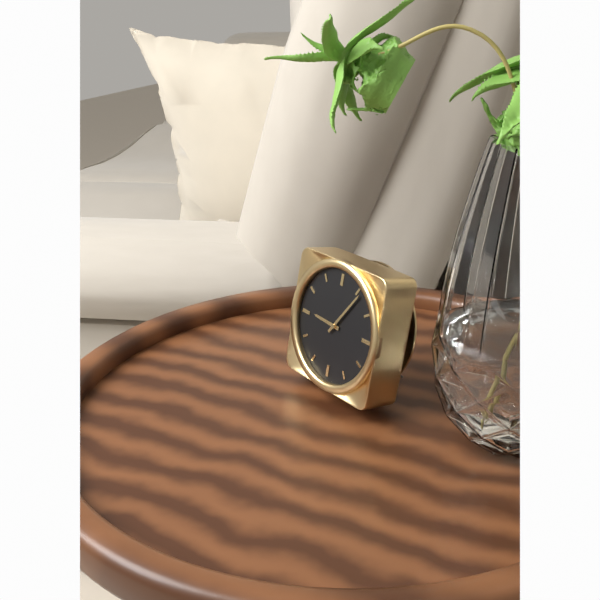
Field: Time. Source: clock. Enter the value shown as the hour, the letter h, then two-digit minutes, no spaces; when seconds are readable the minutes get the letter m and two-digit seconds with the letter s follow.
9h06
